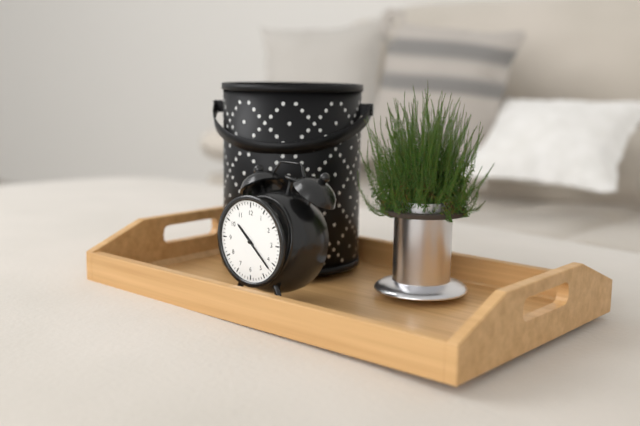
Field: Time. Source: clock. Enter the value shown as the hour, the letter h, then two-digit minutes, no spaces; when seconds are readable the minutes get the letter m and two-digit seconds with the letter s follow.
10h22
